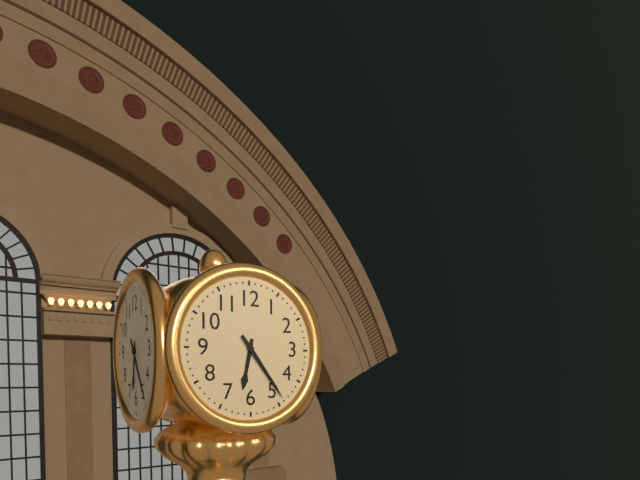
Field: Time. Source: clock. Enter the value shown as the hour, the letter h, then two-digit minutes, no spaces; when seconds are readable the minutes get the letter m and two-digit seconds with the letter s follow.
6h24
